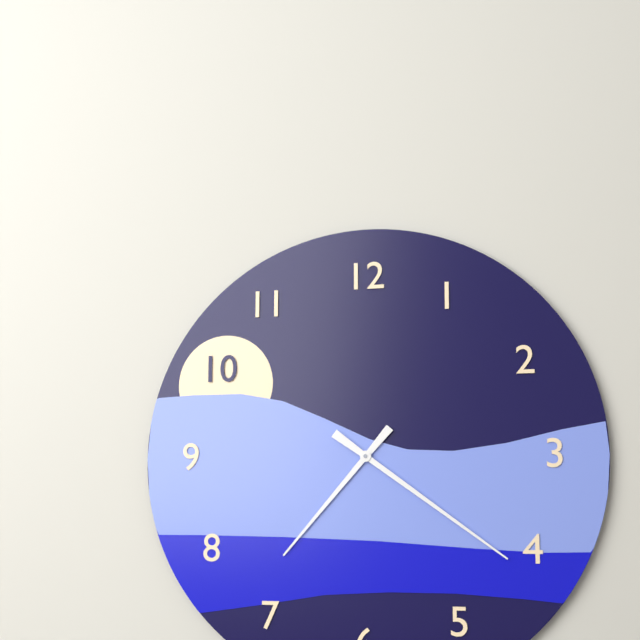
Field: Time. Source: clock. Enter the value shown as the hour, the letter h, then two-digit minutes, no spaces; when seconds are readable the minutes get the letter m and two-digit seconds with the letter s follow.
7h21
